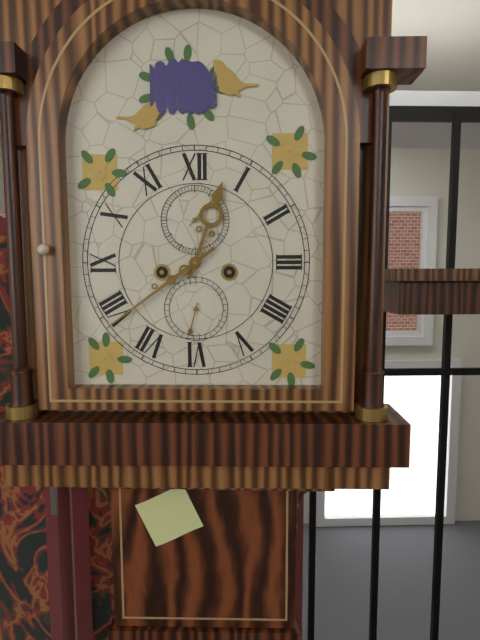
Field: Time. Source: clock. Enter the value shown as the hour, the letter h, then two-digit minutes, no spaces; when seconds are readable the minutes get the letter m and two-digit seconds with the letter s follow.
12h39
